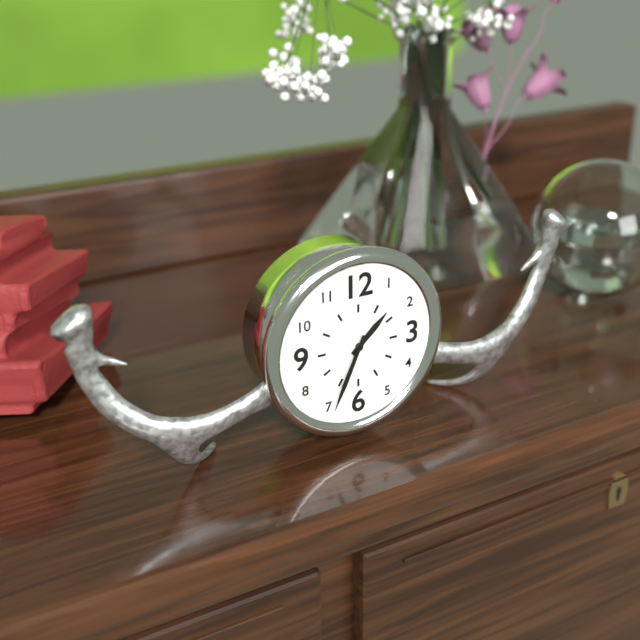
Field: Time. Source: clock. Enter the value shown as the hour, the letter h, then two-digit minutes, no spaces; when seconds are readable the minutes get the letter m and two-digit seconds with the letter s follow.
1h34
